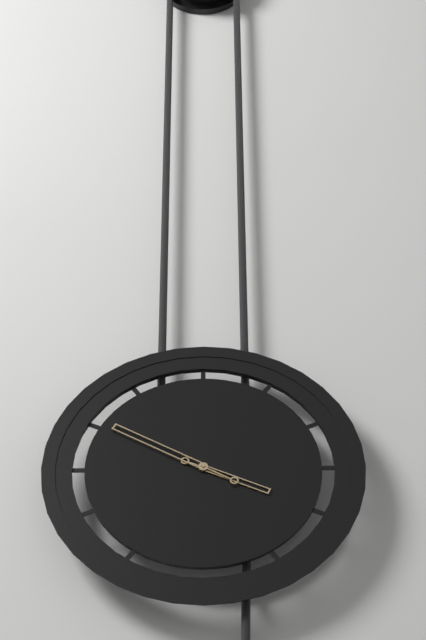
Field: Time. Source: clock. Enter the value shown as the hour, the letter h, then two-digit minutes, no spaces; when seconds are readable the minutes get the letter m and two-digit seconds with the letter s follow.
3h50
